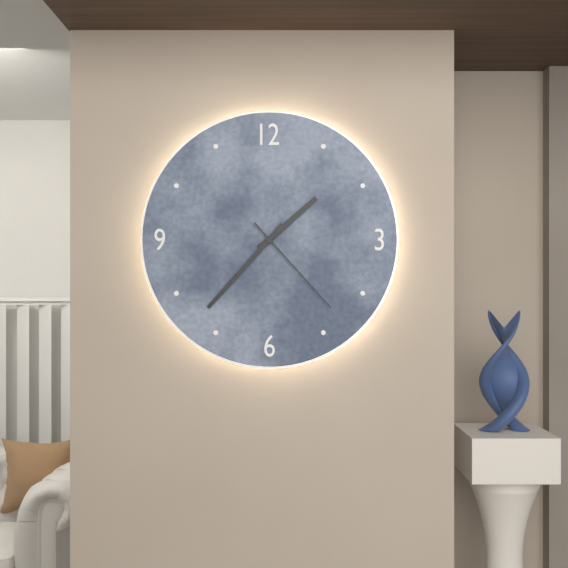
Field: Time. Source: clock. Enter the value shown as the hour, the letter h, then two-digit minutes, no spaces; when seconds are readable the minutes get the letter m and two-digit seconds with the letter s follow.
1h37m23s
